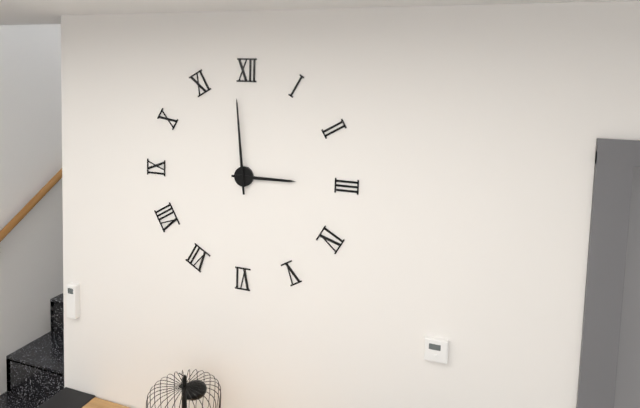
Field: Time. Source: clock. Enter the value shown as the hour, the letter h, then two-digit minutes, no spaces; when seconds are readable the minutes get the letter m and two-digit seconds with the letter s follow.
2h59
